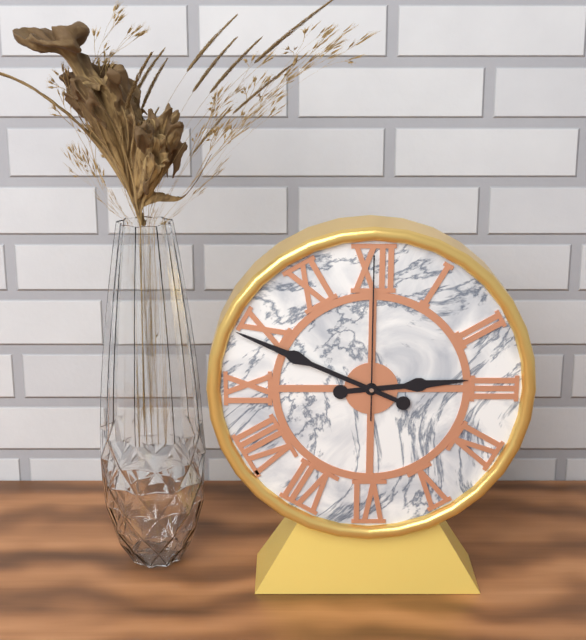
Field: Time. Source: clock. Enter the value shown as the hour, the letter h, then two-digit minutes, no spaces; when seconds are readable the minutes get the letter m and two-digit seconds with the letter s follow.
2h49m00s
